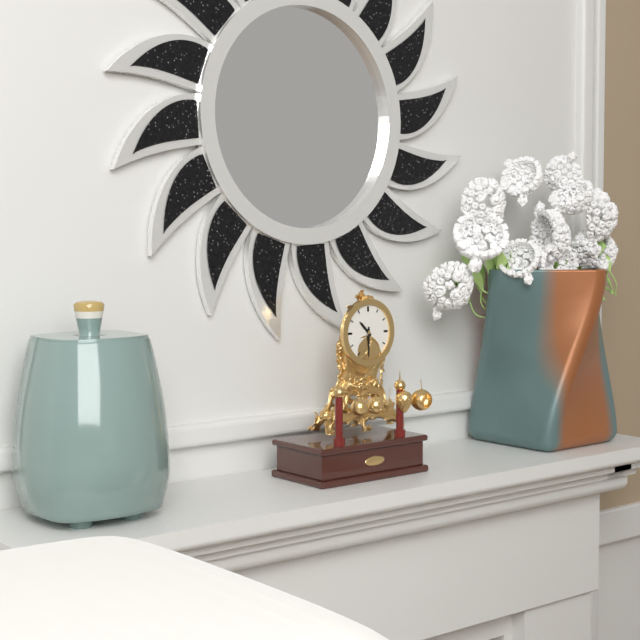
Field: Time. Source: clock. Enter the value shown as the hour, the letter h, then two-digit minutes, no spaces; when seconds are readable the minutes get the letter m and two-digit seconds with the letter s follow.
10h30
